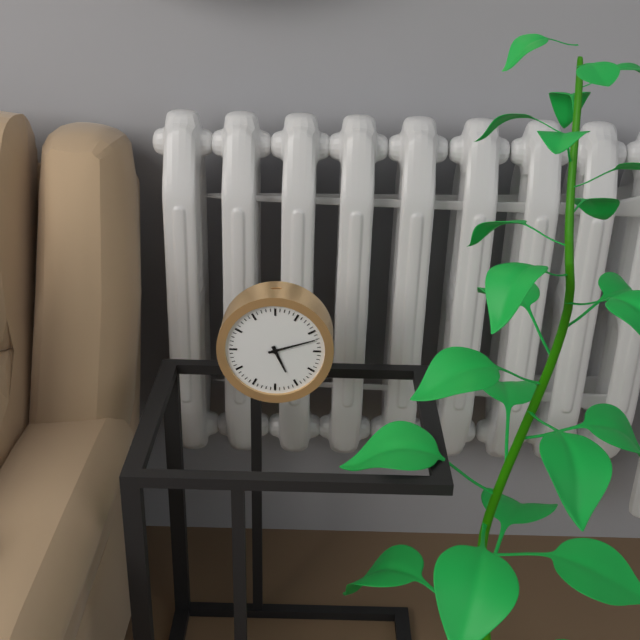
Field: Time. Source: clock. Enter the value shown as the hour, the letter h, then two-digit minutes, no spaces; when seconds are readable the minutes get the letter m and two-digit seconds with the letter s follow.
5h12
